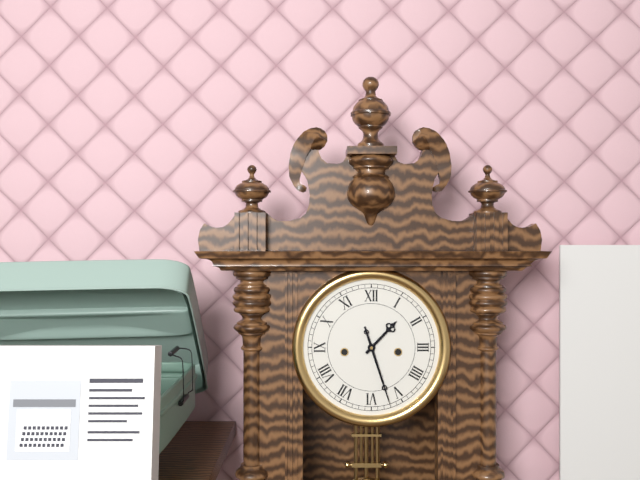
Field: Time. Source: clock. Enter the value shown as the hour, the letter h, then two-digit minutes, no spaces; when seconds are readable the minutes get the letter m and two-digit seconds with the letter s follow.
1h27
